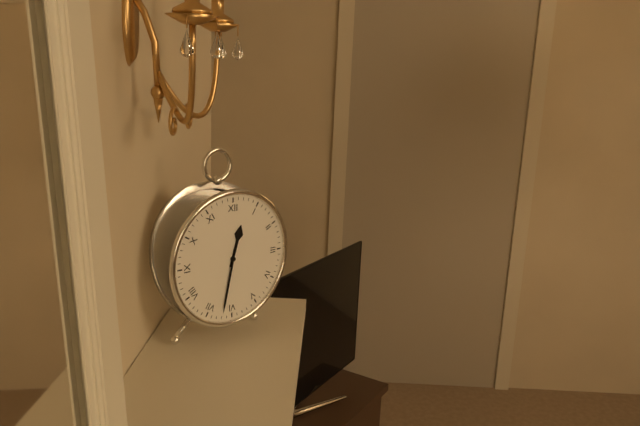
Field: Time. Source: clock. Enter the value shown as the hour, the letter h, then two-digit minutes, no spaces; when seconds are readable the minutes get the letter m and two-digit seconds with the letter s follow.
12h32
